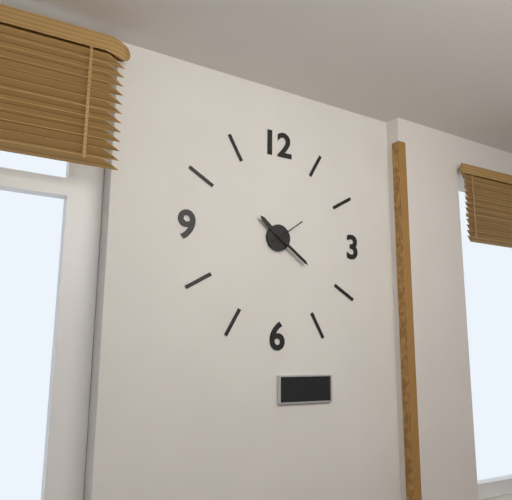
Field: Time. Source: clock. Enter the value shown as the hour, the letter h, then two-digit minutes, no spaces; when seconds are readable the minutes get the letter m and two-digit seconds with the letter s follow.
10h21
